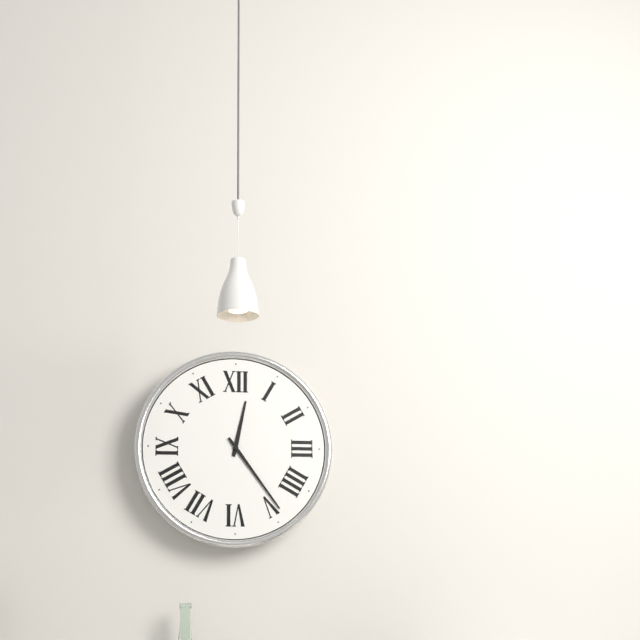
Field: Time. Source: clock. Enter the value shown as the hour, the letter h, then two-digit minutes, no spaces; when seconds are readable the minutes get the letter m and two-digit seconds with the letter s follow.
12h24
